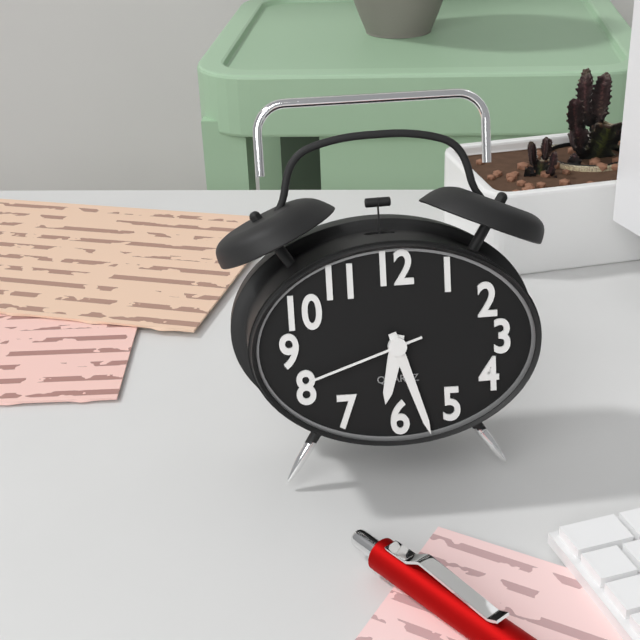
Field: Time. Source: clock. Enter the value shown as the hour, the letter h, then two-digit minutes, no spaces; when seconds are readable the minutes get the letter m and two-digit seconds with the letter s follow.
6h27m42s
